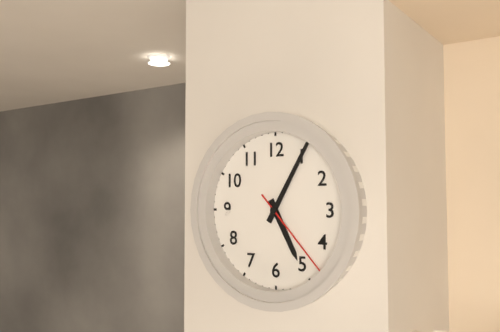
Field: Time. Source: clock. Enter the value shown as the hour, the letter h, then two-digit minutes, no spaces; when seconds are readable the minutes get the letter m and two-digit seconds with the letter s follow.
5h05m23s
